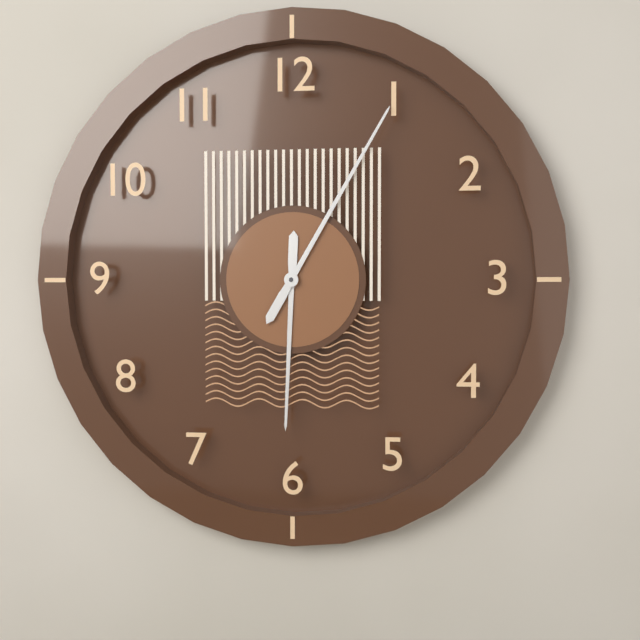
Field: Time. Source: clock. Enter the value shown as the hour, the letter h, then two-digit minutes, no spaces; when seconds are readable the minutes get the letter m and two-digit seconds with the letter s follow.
6h05
